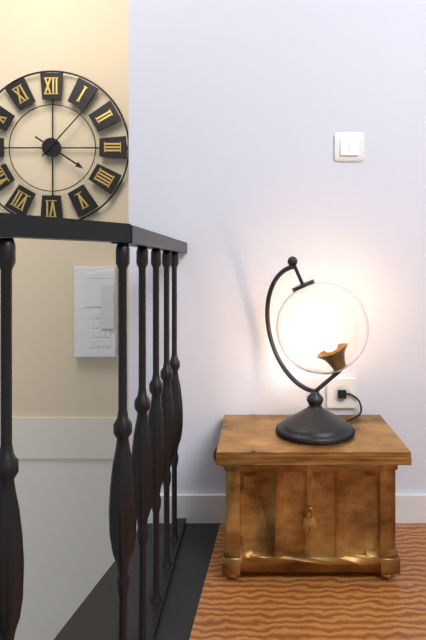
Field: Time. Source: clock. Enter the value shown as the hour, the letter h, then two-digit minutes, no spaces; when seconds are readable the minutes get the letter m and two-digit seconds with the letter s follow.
4h07
